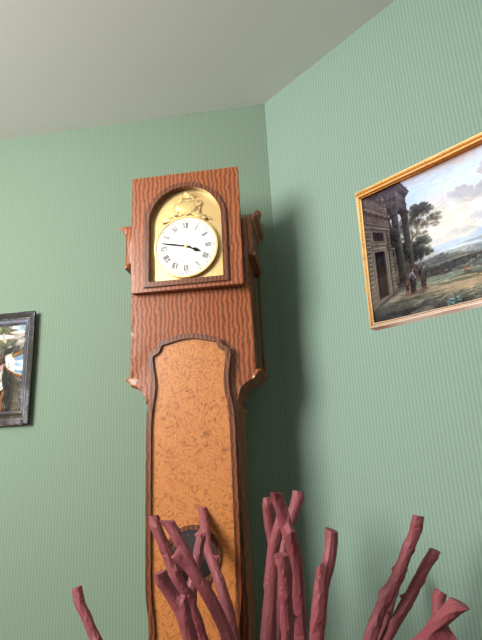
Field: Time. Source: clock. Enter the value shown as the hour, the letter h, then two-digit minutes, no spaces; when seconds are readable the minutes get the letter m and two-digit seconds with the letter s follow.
3h47
